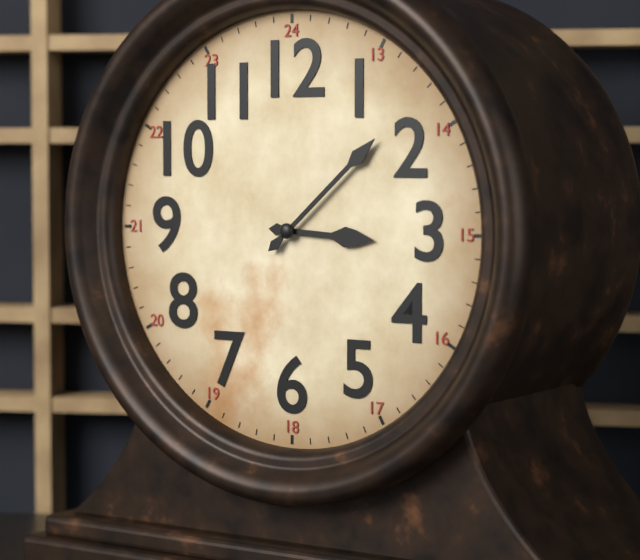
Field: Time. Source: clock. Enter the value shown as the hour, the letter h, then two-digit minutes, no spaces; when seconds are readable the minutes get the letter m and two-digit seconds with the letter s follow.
3h08
